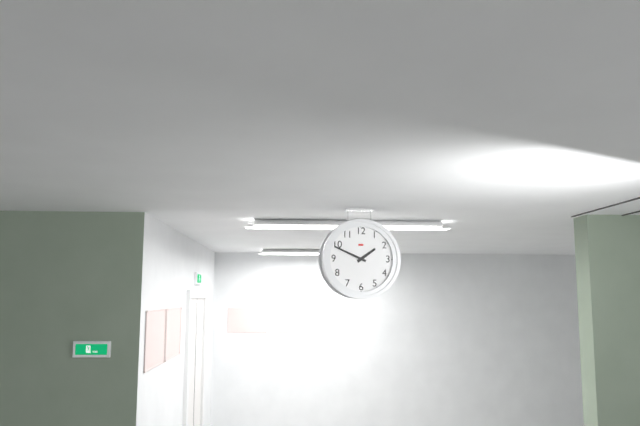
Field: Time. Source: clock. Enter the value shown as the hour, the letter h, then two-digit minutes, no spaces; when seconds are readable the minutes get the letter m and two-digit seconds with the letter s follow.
1h49
